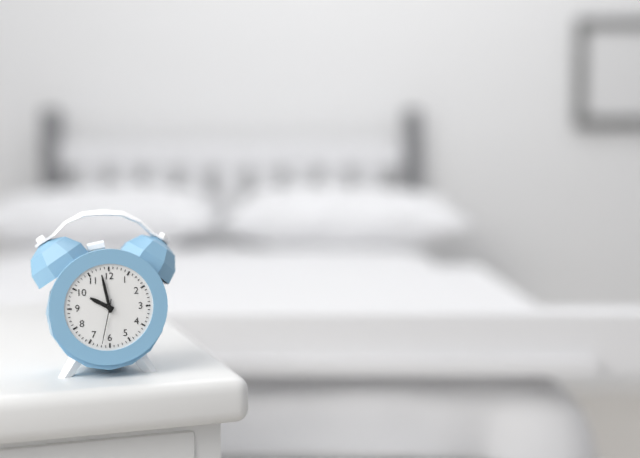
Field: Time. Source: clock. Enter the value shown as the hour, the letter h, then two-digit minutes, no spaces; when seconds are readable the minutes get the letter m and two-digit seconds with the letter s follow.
9h58
